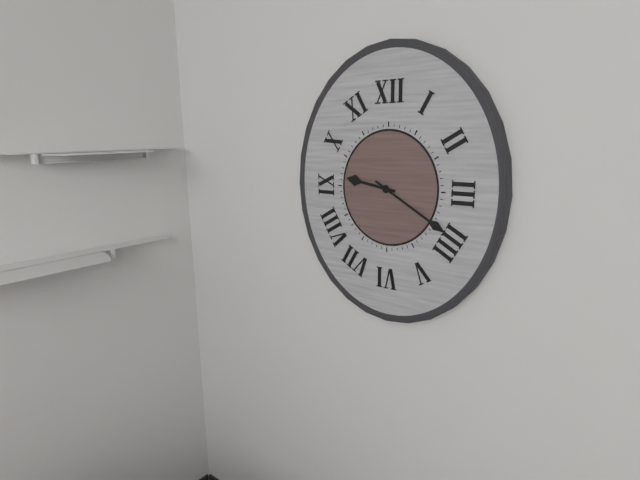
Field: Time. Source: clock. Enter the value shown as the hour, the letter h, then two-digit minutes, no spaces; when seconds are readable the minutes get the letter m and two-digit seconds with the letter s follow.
9h20
